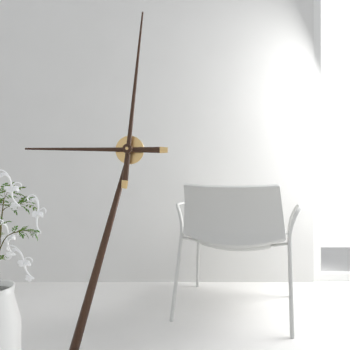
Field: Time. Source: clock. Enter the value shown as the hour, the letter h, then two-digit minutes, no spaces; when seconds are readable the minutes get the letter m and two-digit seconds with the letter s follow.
9h01
